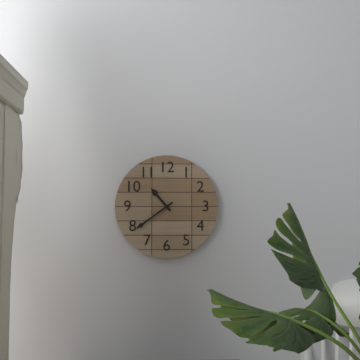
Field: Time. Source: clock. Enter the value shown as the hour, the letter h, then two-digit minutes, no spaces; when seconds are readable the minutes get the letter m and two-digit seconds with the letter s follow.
10h39
